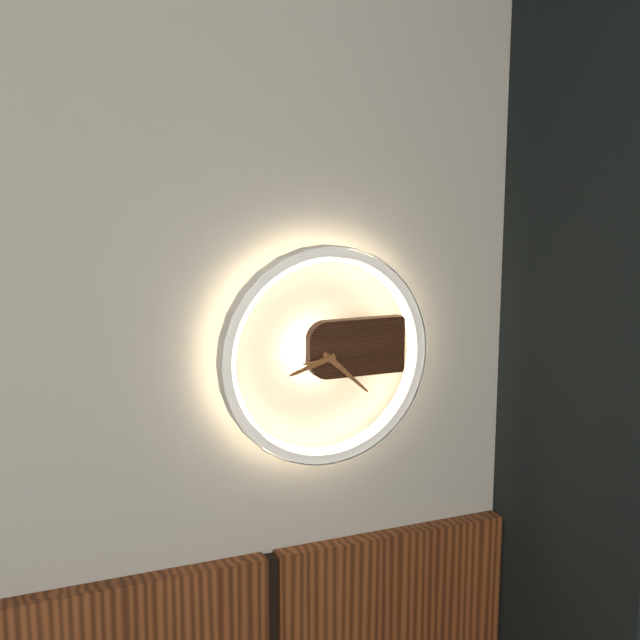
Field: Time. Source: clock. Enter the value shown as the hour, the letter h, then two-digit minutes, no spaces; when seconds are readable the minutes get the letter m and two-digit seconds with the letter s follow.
8h22
